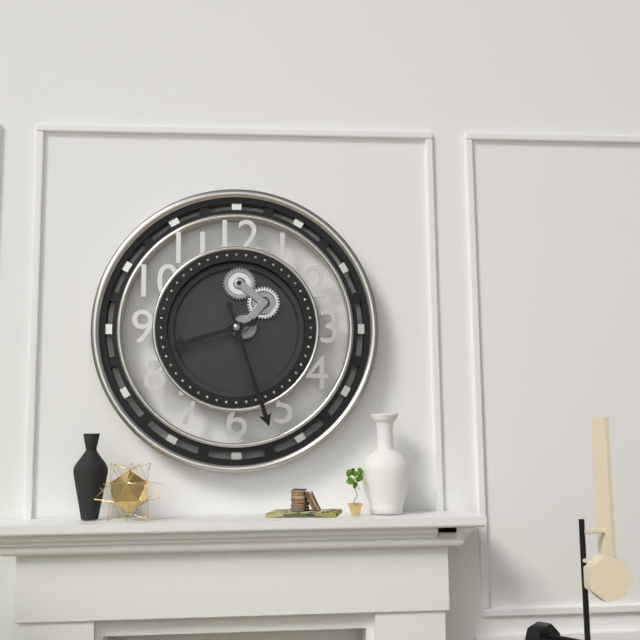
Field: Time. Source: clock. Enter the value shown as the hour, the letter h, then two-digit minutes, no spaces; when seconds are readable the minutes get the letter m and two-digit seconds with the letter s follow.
8h27
